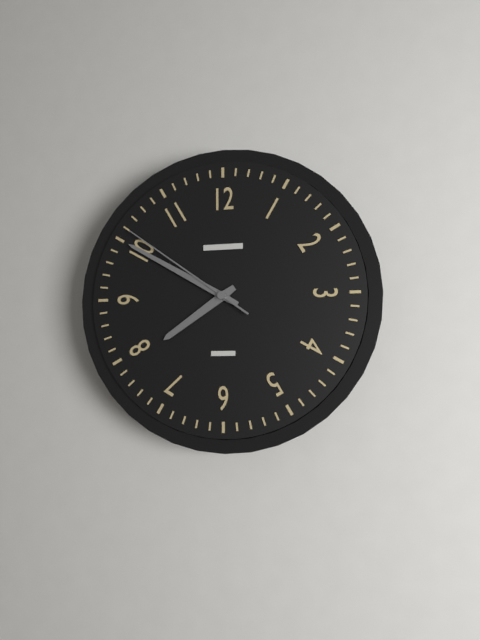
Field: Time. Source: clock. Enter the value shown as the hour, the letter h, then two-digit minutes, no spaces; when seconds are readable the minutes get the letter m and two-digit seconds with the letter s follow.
7h50m51s
